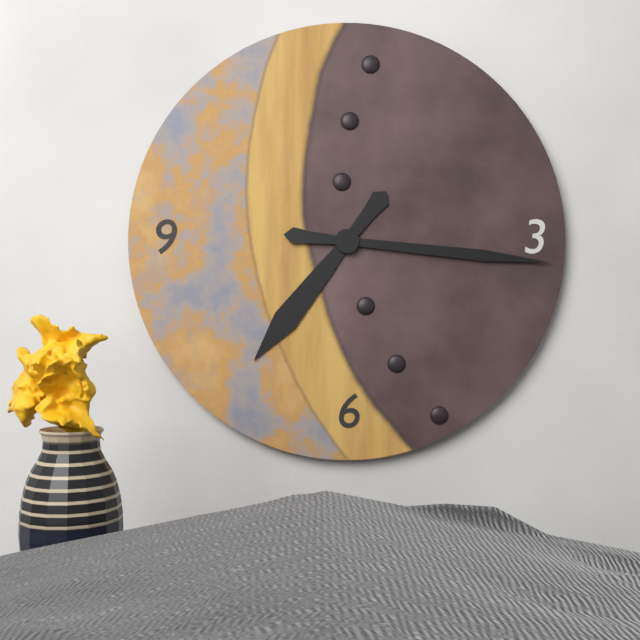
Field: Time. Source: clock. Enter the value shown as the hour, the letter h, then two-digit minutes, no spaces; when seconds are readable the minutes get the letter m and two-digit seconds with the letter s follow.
7h16
